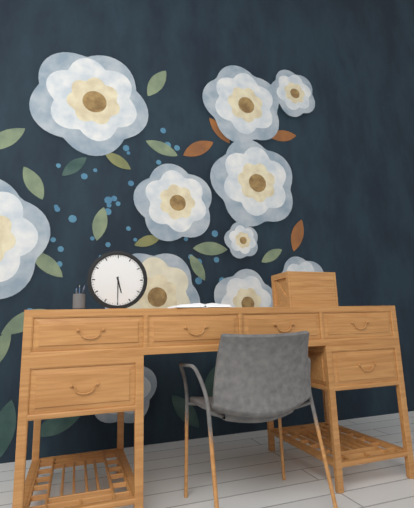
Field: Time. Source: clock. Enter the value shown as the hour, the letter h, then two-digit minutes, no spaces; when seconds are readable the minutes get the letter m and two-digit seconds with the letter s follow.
5h30
